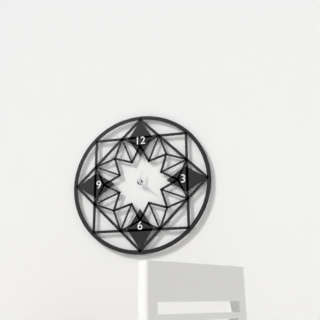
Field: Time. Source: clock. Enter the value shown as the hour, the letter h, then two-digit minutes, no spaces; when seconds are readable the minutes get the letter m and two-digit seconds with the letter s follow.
12h21
